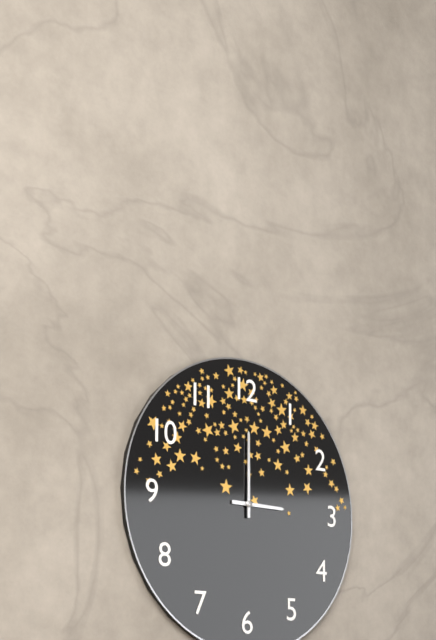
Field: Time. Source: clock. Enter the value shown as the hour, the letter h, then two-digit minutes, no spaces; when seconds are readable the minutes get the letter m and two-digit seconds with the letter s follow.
3h00
